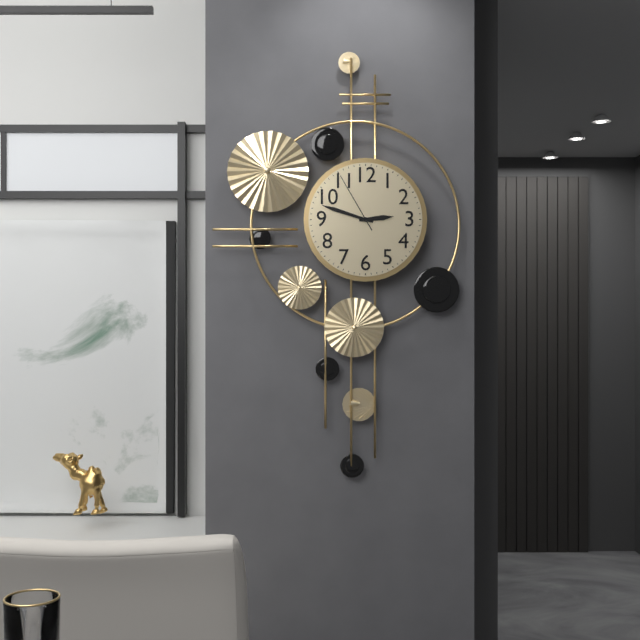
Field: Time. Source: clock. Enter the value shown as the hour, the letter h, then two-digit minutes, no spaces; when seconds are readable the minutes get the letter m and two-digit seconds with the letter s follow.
2h48m55s
